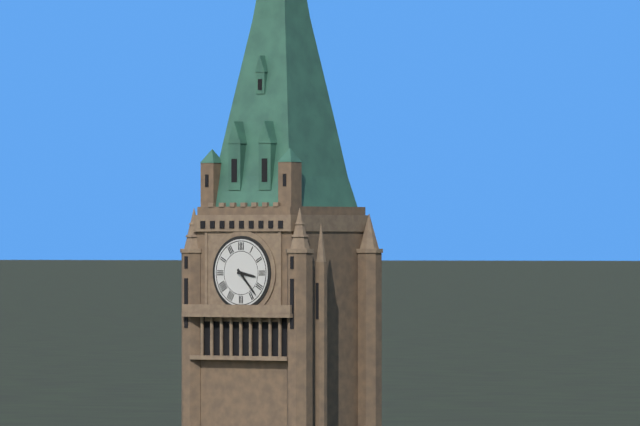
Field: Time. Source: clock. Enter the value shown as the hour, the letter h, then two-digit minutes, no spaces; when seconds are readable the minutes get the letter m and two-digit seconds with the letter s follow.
3h23
